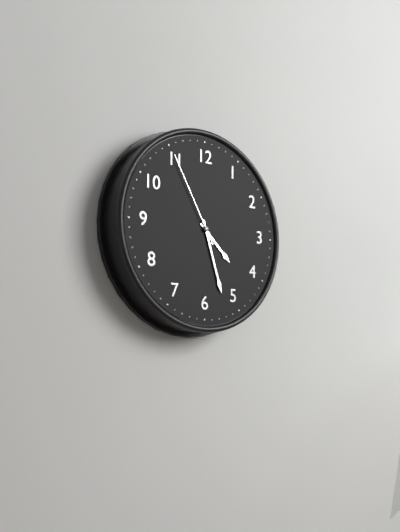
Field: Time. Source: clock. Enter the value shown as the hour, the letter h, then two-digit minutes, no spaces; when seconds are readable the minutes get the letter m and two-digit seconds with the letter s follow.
4h27m55s
